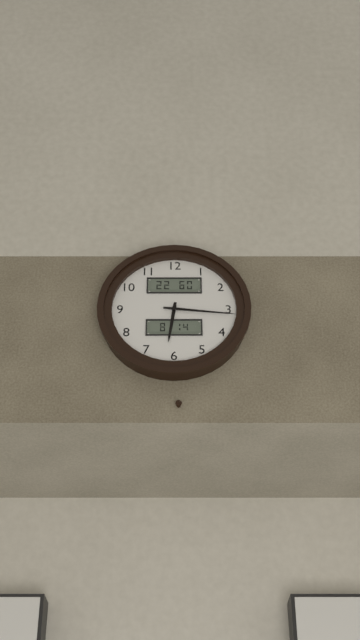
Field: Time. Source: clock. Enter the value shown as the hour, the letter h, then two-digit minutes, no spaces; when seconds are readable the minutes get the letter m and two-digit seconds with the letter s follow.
6h16
